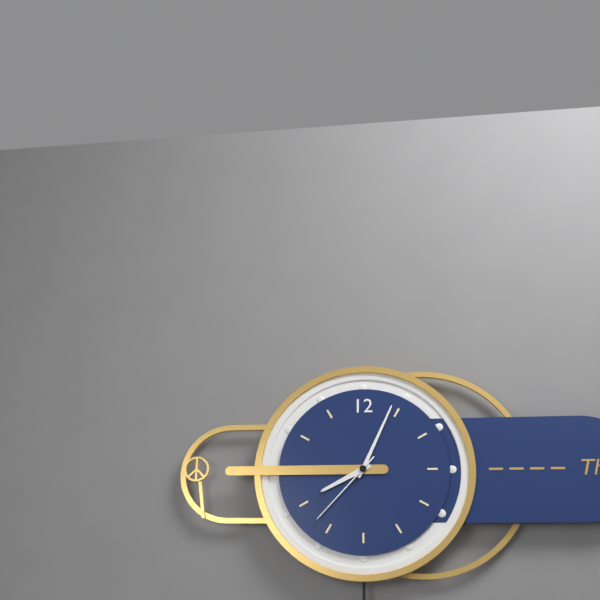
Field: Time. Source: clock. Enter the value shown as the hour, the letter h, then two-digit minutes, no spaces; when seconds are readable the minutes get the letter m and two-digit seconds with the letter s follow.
8h04m37s
